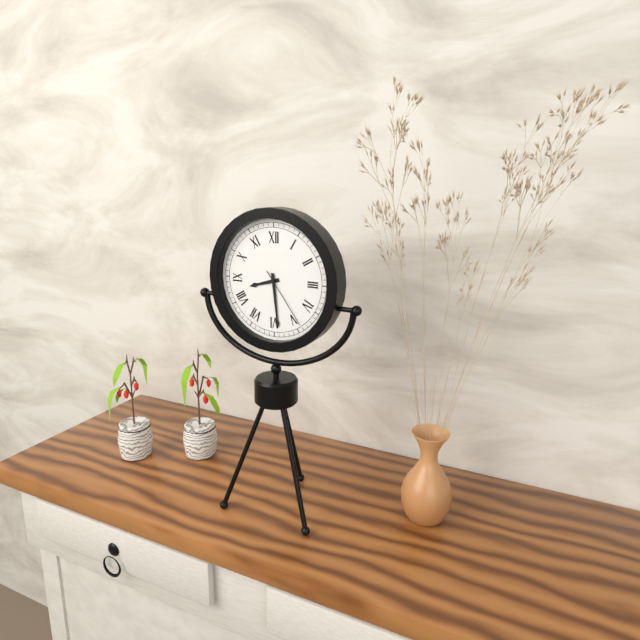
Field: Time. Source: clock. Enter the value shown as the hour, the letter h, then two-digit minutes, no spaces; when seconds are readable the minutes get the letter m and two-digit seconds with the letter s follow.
8h29m24s
